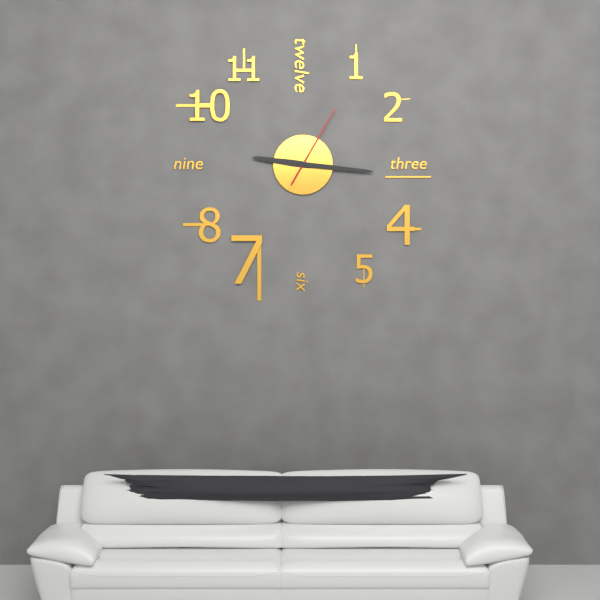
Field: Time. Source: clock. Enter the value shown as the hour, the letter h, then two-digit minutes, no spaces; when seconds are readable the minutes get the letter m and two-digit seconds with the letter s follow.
9h16m05s
